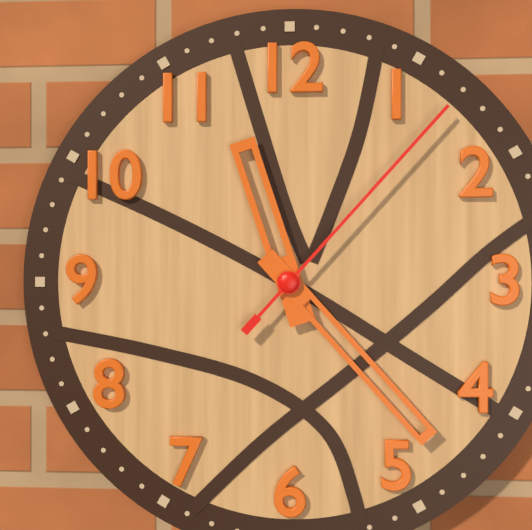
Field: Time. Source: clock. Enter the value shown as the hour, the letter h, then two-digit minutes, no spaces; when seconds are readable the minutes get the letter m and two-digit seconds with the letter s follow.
11h23m07s
